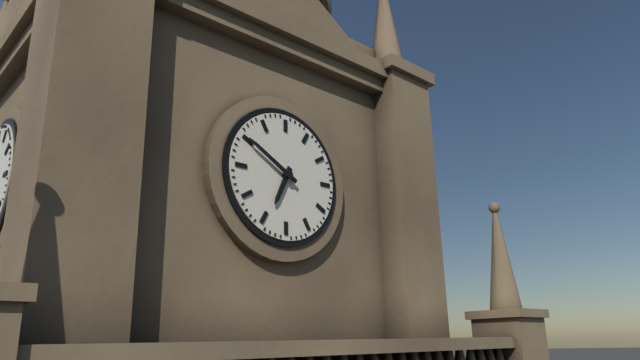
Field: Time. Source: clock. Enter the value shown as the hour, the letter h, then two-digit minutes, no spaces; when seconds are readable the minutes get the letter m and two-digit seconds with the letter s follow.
6h50
